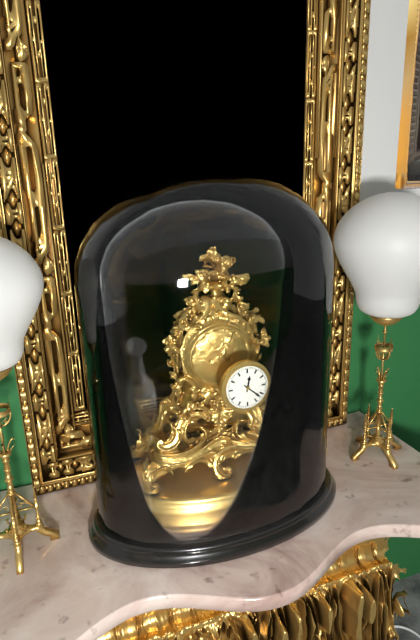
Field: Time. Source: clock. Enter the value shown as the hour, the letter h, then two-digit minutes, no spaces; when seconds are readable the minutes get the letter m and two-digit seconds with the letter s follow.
12h22
